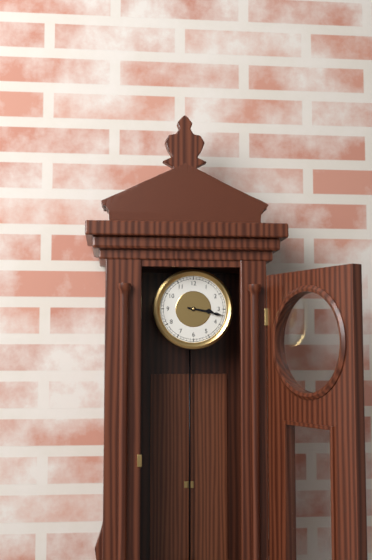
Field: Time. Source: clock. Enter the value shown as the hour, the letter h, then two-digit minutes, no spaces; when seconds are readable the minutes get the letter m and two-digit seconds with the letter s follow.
3h17
